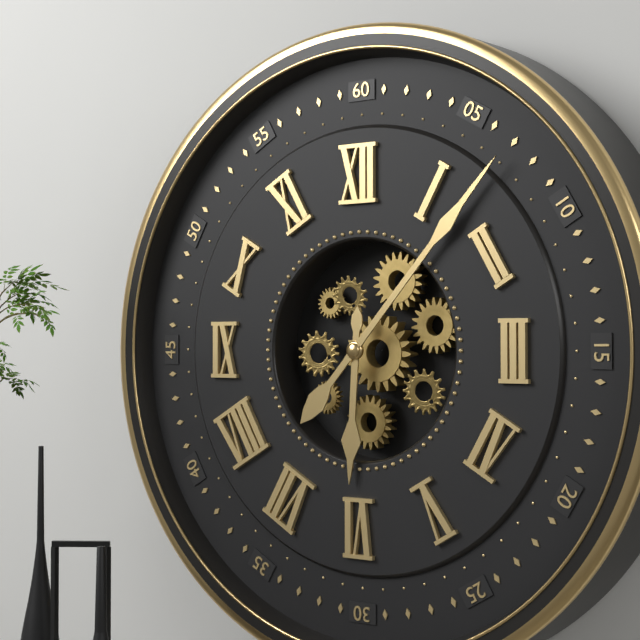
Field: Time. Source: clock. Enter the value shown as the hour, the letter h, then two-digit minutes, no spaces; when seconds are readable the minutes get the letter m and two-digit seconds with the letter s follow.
6h07
